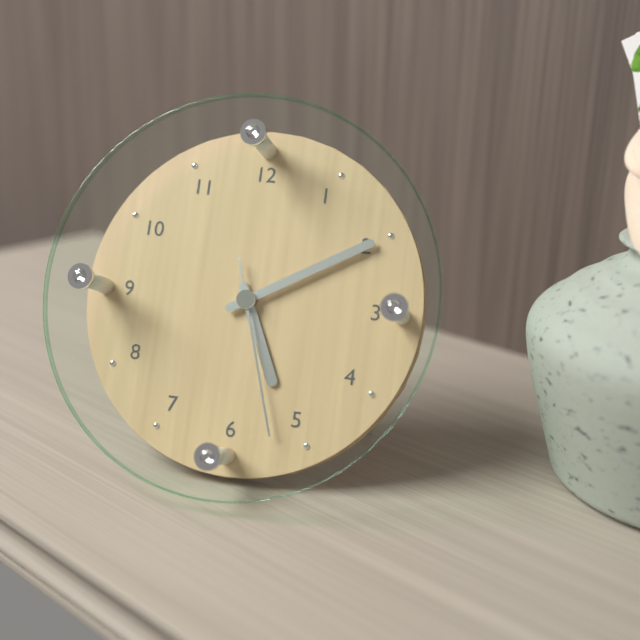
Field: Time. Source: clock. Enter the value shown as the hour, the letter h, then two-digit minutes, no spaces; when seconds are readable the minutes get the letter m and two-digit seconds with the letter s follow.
5h10m27s
